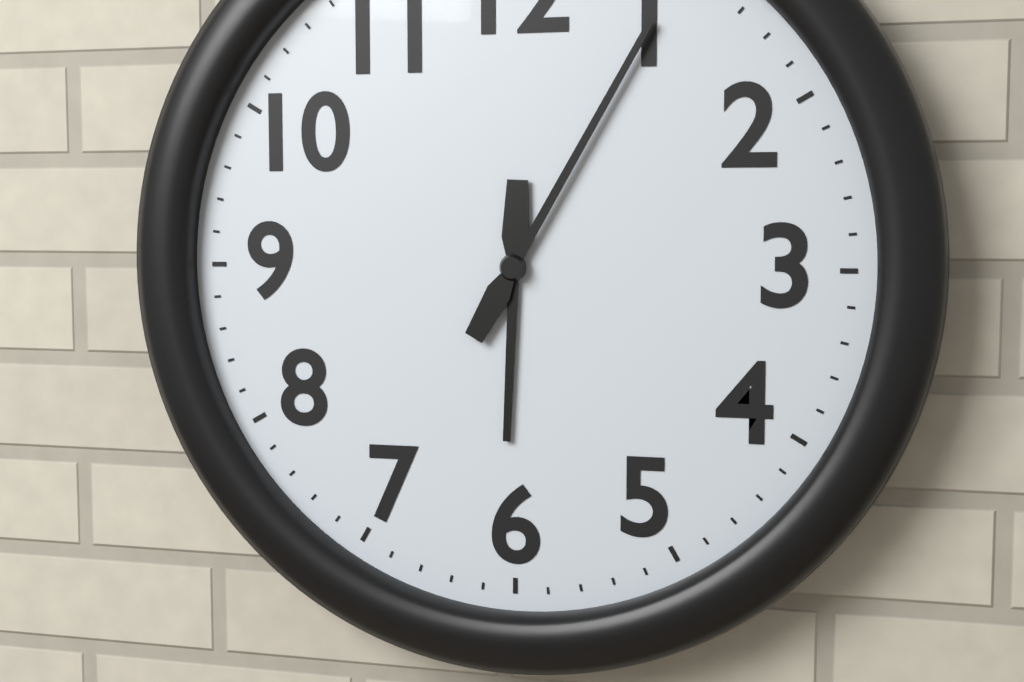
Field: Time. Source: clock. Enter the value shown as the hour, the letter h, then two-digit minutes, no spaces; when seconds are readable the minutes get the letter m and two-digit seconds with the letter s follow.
6h05
